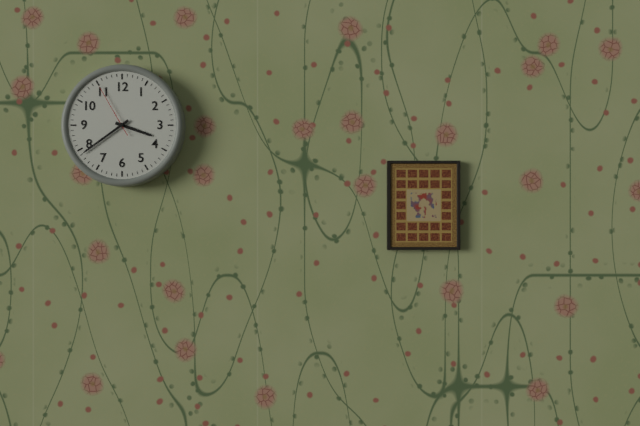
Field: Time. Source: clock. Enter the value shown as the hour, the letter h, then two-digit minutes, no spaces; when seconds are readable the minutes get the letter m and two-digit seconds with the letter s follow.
3h39m55s
